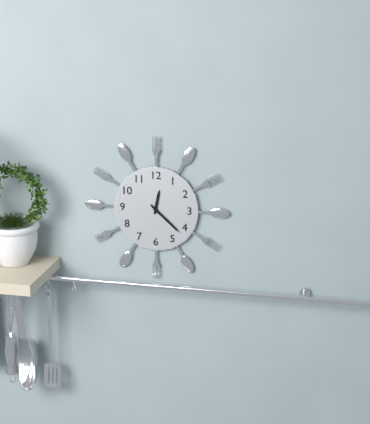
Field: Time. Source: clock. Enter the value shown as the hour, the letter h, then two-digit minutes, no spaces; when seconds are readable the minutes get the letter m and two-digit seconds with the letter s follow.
12h22
